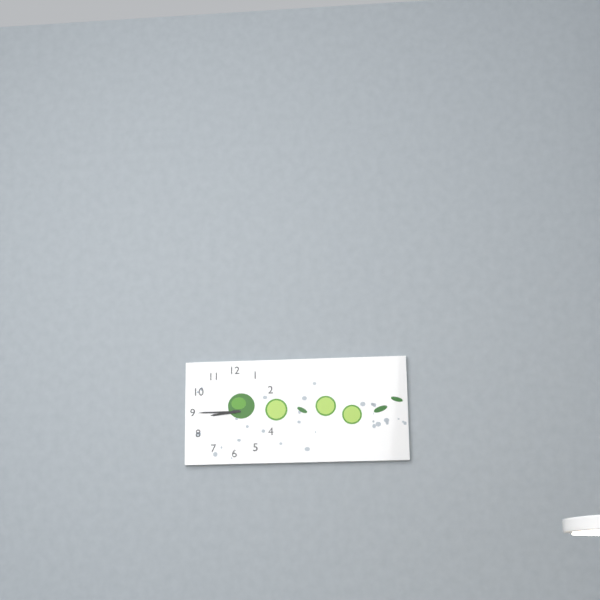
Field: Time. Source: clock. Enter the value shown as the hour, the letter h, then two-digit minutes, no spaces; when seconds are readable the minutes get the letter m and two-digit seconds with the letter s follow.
8h45
